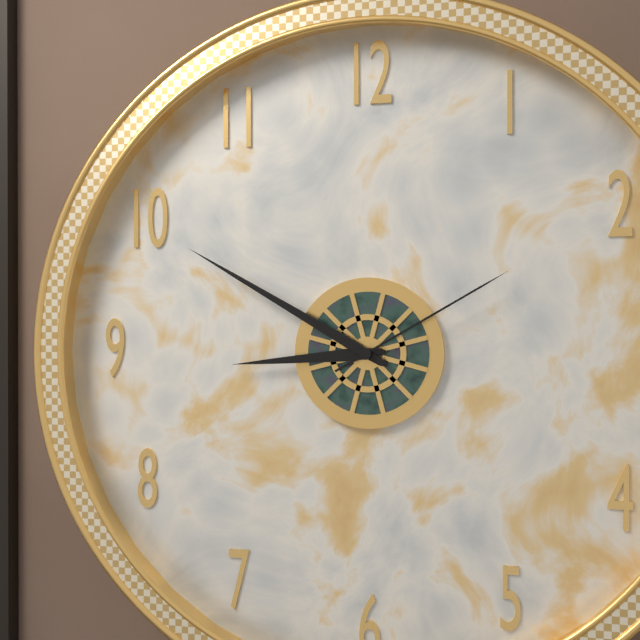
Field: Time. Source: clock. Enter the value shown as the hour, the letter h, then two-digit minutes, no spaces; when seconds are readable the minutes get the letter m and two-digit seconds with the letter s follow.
8h50m10s
